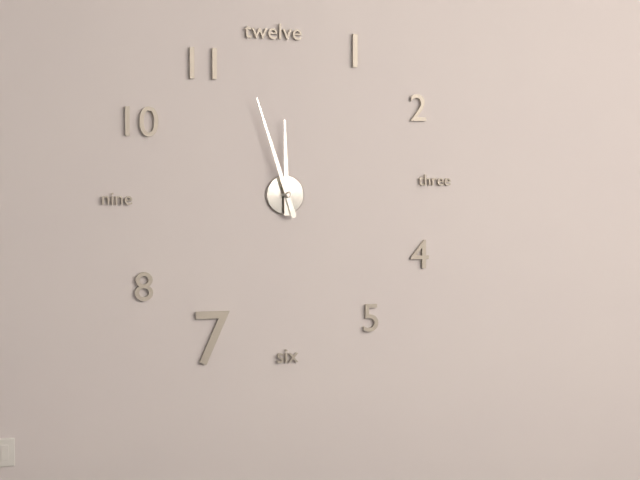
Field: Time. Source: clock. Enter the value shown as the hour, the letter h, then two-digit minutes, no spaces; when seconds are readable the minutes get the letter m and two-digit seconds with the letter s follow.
11h57
